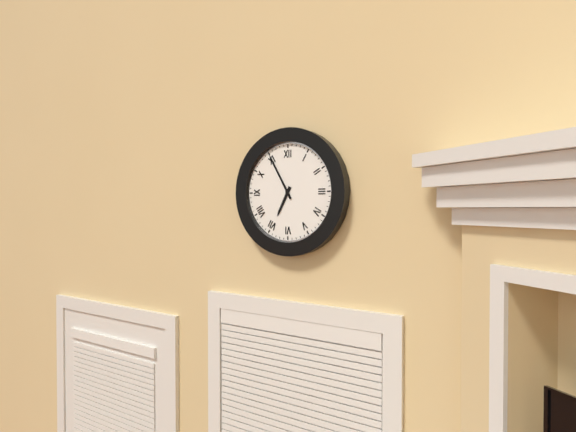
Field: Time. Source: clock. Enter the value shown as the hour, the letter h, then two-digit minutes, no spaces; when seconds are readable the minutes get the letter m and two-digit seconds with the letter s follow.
6h55
